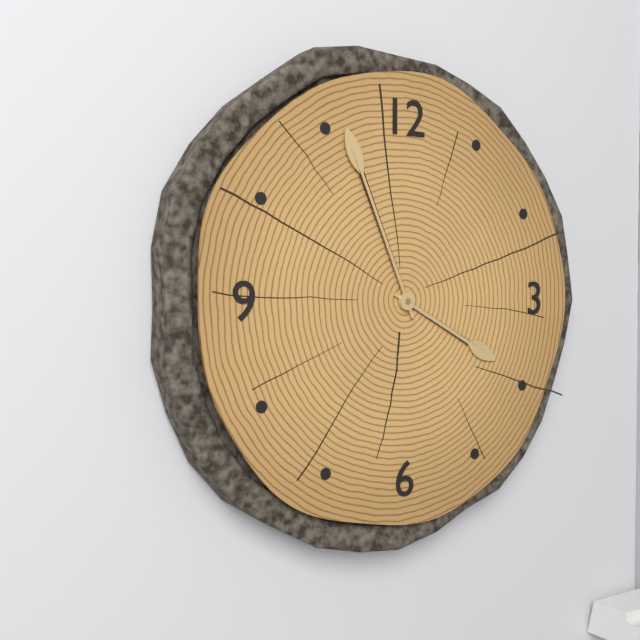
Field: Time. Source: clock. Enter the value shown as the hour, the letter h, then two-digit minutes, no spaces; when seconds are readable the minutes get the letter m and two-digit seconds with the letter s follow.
3h56
